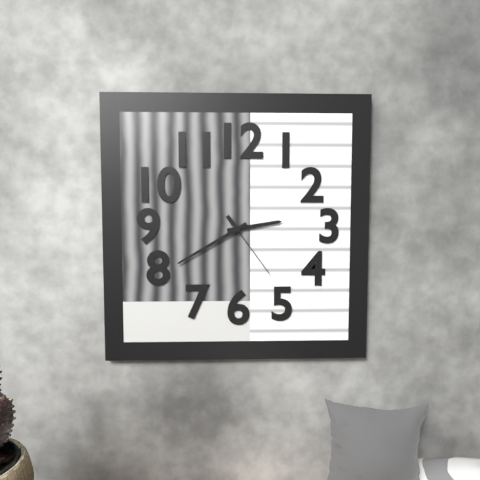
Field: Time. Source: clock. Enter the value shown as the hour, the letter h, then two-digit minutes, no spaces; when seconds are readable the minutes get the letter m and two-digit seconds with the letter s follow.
2h40m24s
